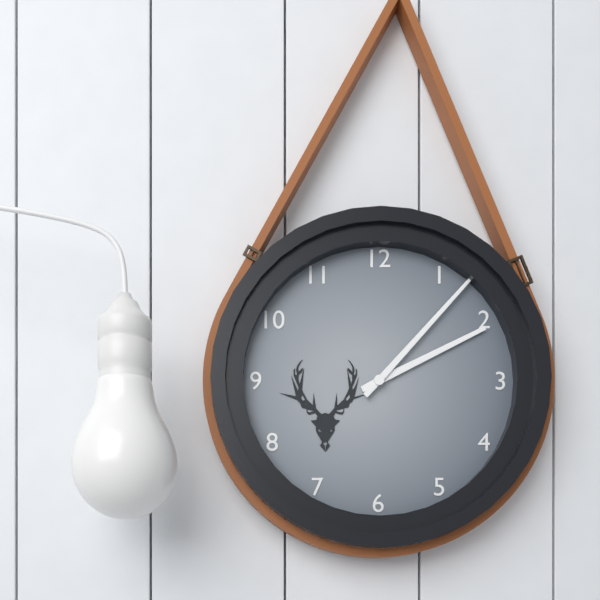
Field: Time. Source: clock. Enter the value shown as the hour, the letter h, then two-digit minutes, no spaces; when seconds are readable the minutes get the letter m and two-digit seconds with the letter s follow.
2h07
